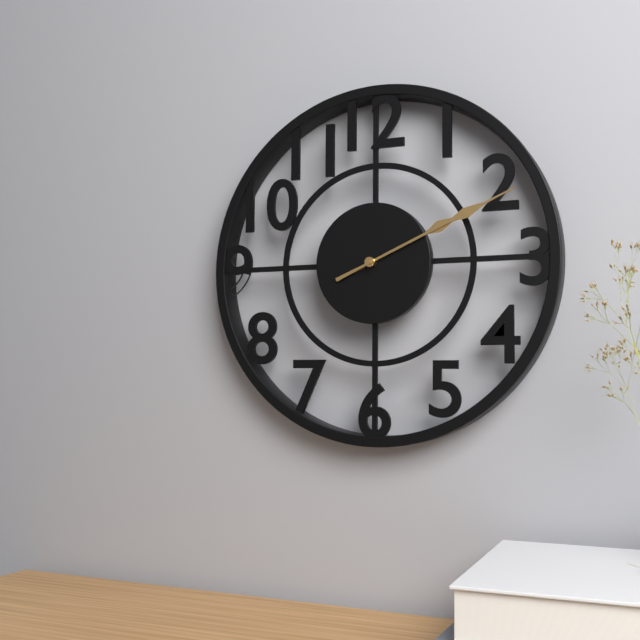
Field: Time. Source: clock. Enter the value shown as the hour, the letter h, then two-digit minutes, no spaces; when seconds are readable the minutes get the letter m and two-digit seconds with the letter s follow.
2h11
